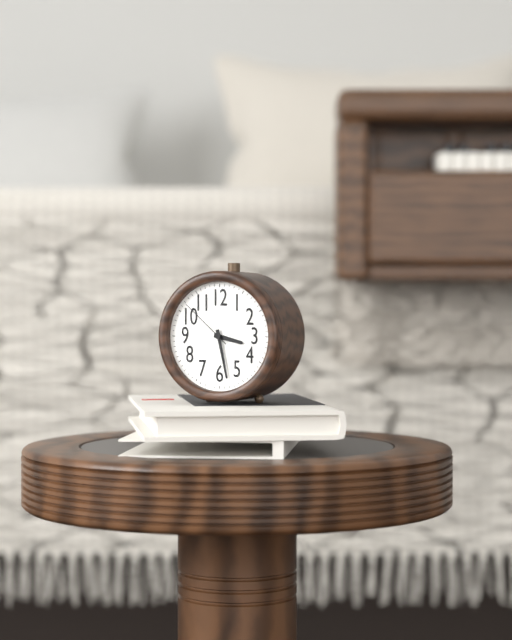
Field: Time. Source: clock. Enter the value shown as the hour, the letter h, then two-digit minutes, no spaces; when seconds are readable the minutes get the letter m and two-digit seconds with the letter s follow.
3h28m52s
